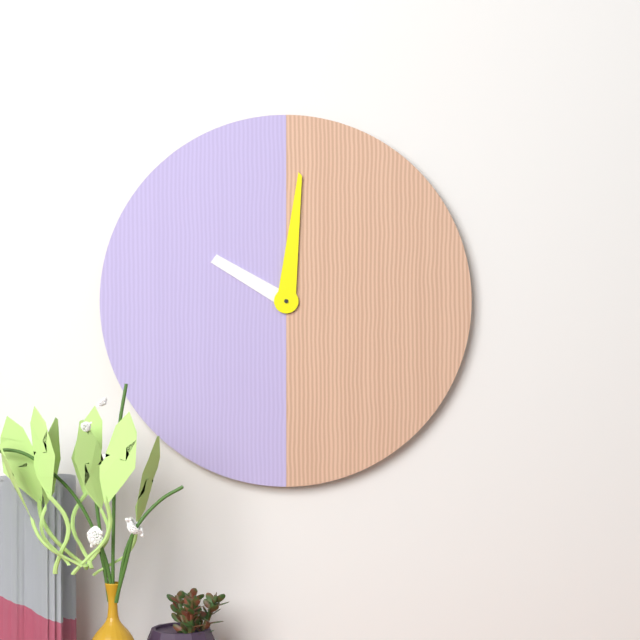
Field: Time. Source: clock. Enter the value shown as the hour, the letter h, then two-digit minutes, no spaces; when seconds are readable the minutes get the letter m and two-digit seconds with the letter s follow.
10h01
